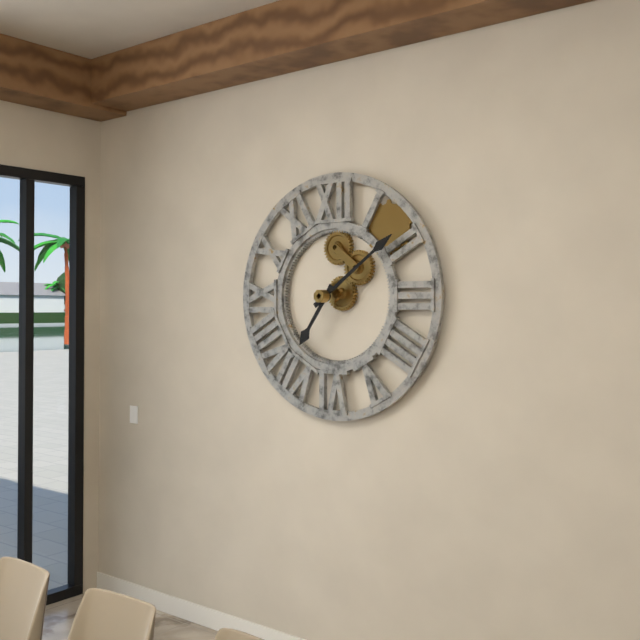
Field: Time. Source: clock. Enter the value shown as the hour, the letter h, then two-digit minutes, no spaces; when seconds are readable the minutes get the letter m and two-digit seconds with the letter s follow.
7h09
